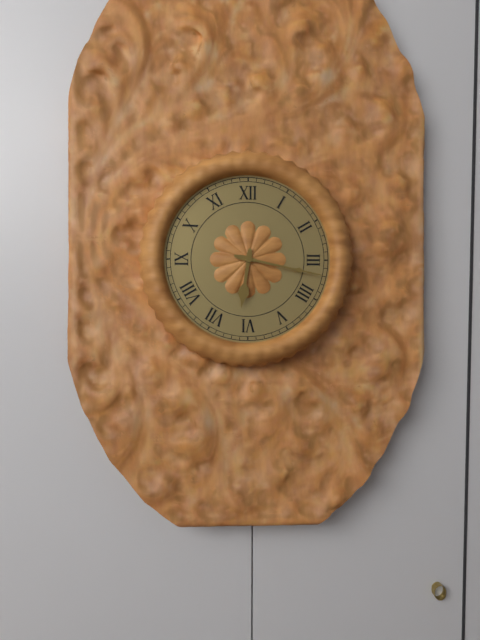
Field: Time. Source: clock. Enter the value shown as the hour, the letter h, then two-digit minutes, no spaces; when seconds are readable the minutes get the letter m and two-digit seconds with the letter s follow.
6h17
